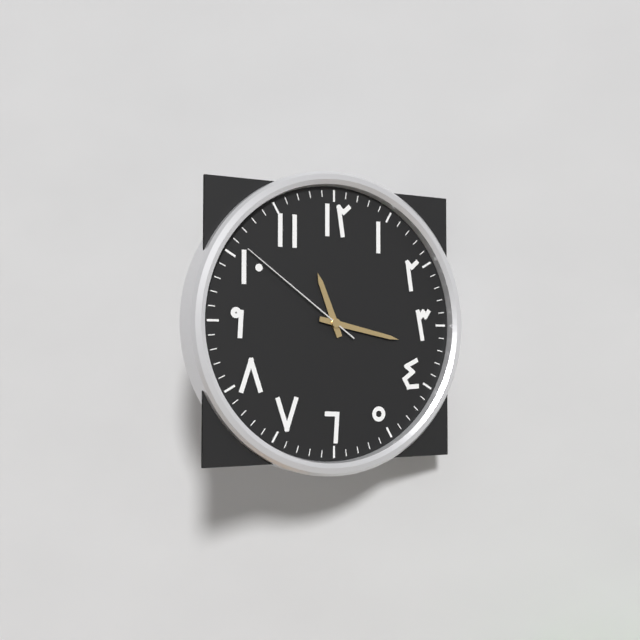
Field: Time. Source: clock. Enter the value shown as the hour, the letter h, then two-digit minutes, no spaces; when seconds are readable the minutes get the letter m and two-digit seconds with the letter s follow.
11h17m51s
